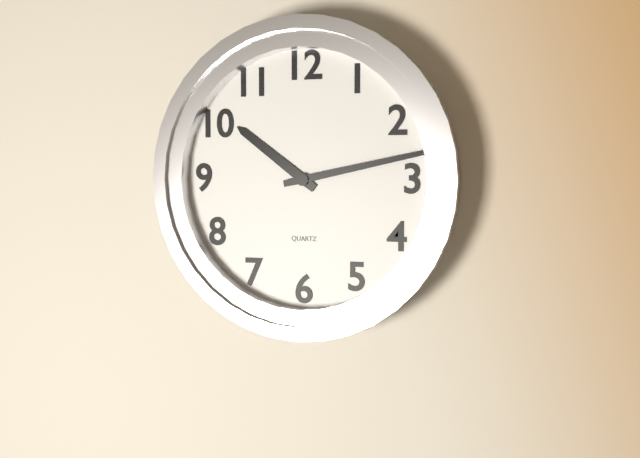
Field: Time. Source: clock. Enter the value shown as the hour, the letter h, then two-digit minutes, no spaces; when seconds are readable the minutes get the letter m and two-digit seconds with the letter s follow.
10h13
